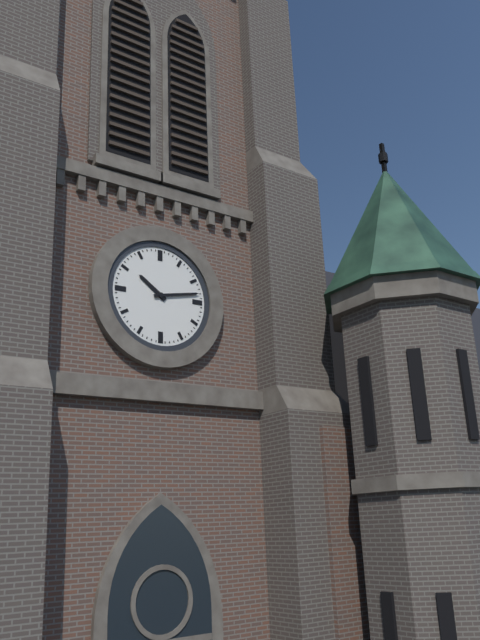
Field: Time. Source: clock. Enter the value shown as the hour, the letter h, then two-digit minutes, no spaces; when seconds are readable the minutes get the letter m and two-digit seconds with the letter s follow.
10h13
